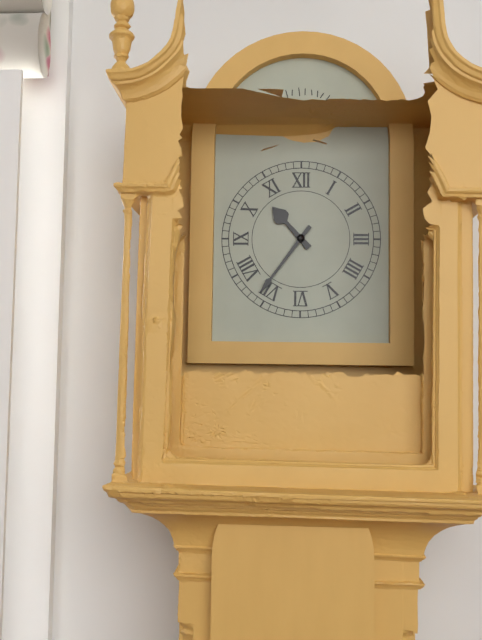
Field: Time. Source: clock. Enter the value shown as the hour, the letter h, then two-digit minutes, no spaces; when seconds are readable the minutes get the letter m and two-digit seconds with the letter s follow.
10h36
